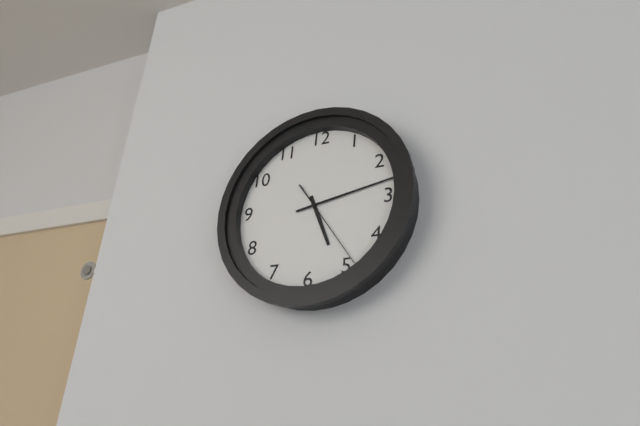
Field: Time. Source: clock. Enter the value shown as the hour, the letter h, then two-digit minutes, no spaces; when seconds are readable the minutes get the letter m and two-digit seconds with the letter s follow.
5h13m24s
